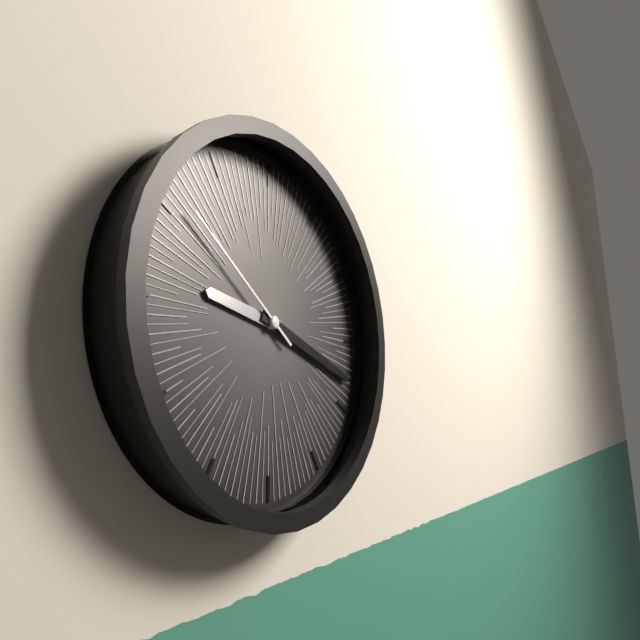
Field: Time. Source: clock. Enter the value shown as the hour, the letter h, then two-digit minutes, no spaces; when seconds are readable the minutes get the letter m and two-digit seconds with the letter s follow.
9h18m51s
